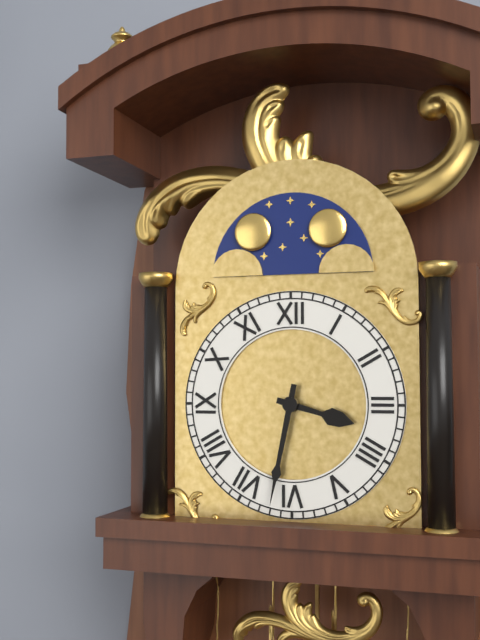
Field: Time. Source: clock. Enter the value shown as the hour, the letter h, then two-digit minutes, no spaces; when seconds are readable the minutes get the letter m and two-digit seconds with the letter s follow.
3h32
